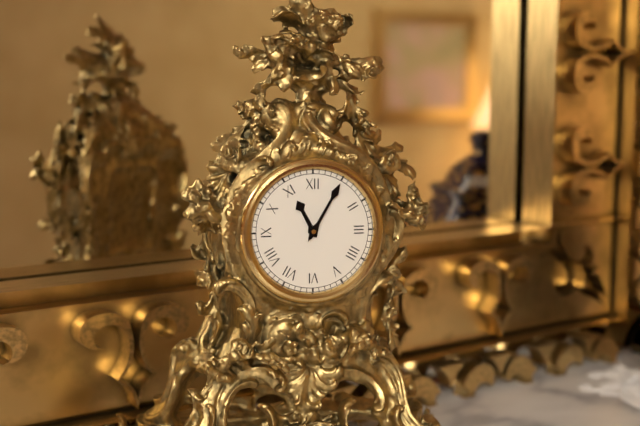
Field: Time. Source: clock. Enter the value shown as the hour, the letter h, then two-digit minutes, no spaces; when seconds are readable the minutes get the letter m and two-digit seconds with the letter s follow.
11h05
